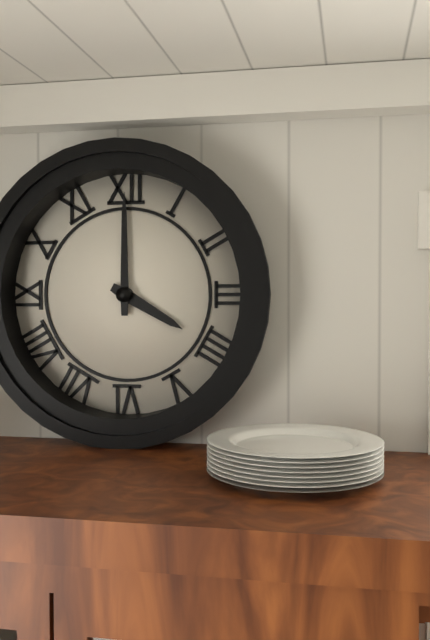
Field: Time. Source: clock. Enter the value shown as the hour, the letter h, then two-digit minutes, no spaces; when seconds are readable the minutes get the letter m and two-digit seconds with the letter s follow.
4h00
